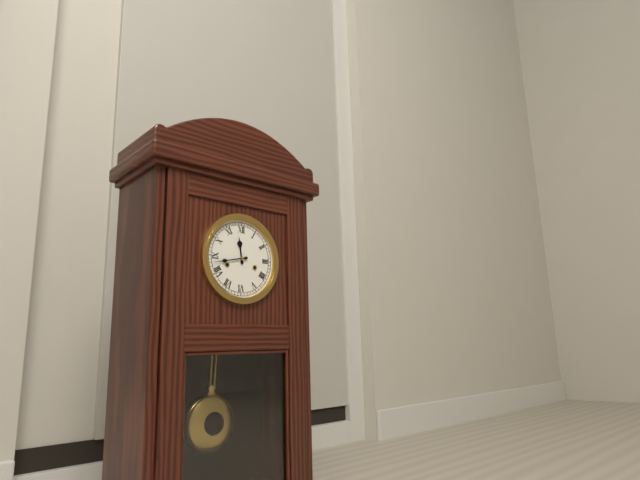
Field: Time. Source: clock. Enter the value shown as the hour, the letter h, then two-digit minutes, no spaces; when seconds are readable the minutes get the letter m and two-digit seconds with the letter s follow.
11h43
